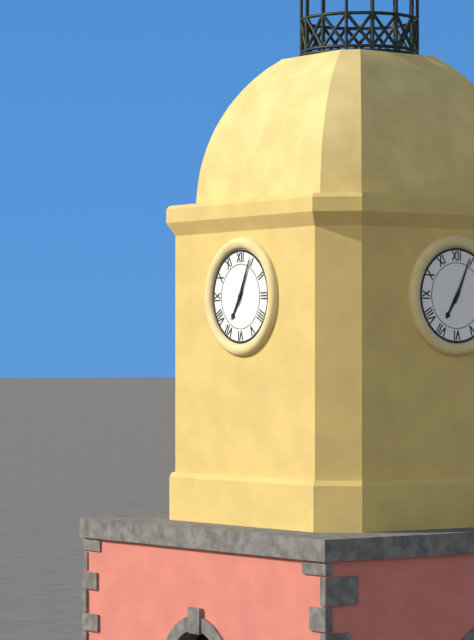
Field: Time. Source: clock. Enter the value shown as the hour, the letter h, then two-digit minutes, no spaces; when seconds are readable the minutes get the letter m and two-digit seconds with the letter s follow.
7h04
